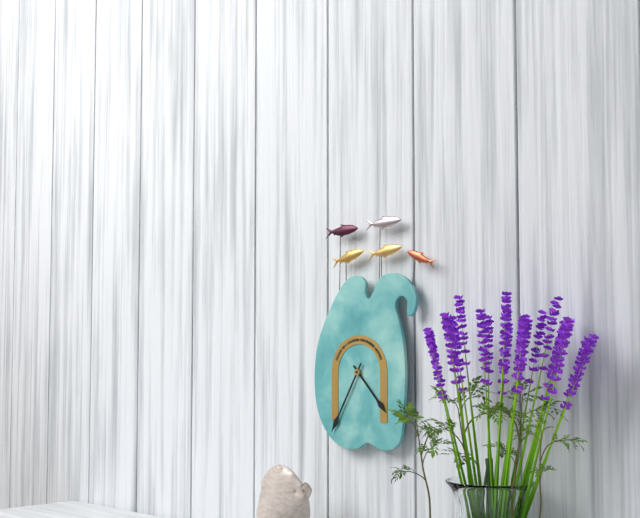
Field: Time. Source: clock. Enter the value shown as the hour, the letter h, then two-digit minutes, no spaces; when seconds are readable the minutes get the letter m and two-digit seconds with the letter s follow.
4h35
